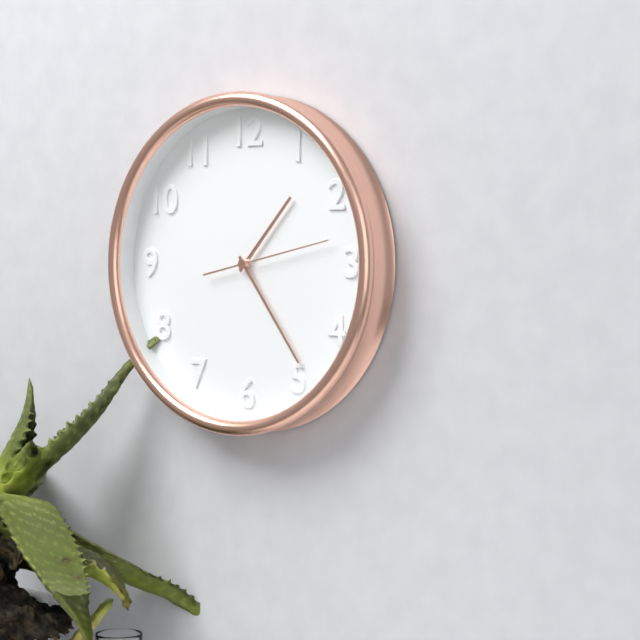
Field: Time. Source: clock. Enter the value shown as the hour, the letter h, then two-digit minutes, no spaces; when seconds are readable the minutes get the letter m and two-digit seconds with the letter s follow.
1h24m13s
